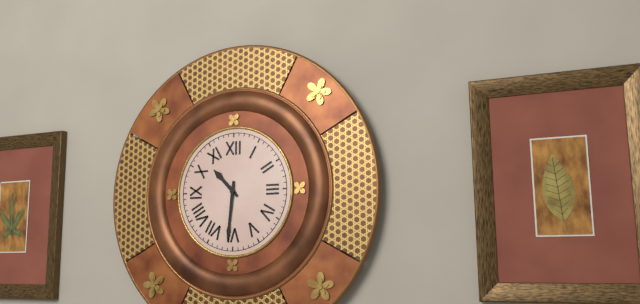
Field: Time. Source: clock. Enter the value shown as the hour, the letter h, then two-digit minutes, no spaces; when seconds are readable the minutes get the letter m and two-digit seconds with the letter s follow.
10h31
